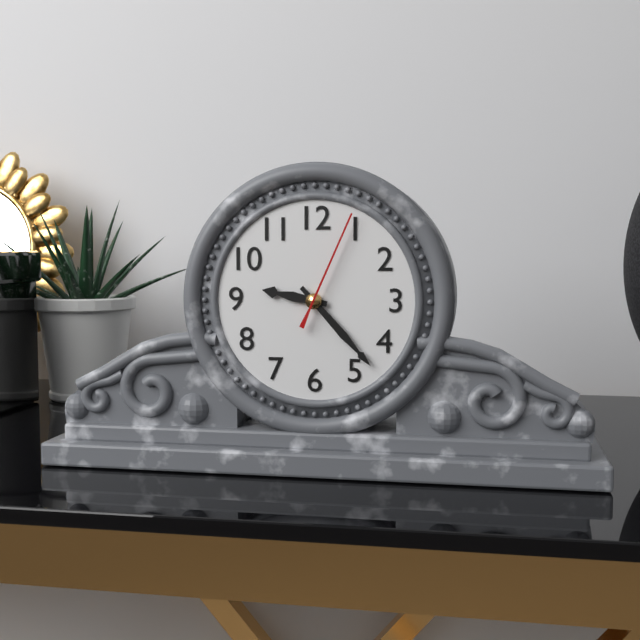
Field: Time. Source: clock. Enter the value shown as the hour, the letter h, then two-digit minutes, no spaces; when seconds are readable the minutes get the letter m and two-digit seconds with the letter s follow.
9h23m04s
